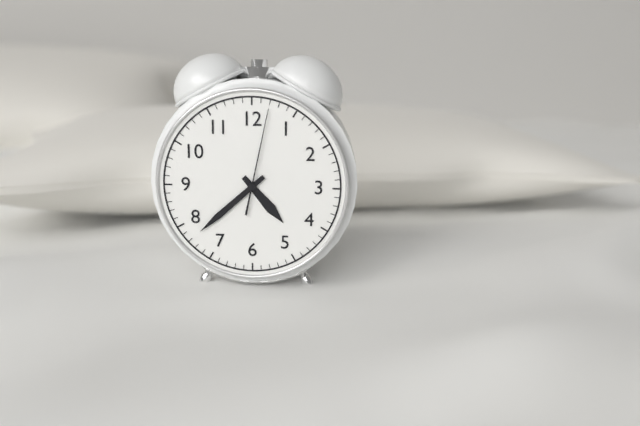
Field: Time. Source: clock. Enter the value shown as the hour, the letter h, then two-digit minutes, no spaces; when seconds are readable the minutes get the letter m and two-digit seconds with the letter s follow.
4h38m02s
